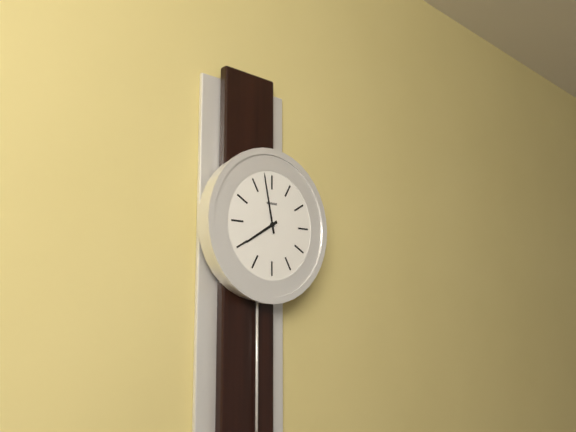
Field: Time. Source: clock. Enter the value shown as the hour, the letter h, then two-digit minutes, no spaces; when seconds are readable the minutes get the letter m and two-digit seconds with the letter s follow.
7h58
